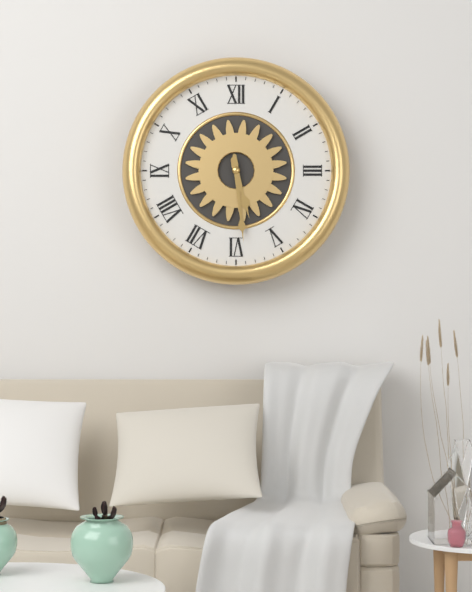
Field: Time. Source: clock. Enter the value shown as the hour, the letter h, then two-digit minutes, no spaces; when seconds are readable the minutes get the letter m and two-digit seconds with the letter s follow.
5h29
